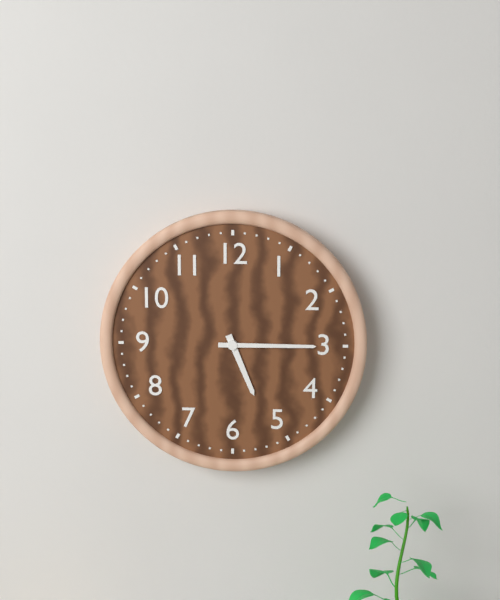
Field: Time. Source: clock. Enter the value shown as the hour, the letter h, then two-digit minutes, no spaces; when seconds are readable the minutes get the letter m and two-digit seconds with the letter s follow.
5h15
